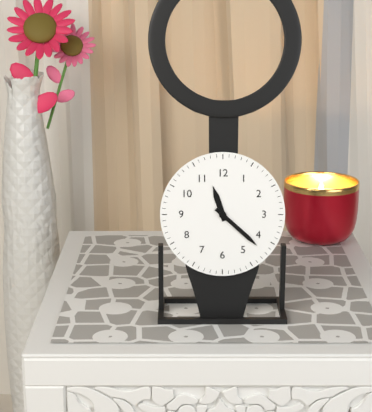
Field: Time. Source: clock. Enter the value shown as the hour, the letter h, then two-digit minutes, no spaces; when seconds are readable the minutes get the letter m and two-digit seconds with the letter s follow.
11h22
